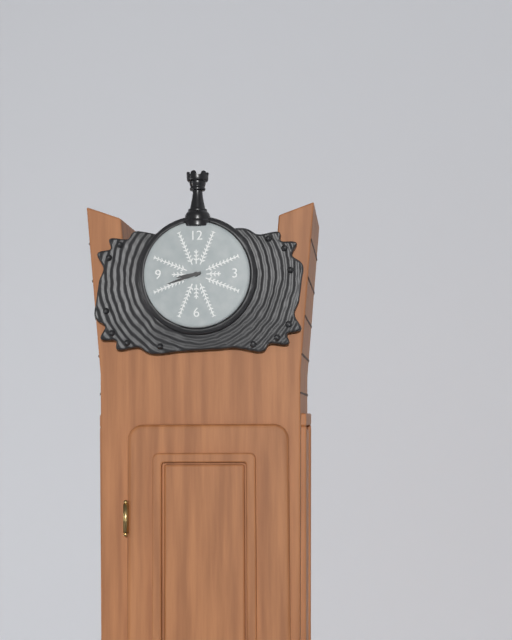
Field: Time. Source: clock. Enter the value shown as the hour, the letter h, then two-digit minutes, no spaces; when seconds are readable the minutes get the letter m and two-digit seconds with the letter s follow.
8h42
